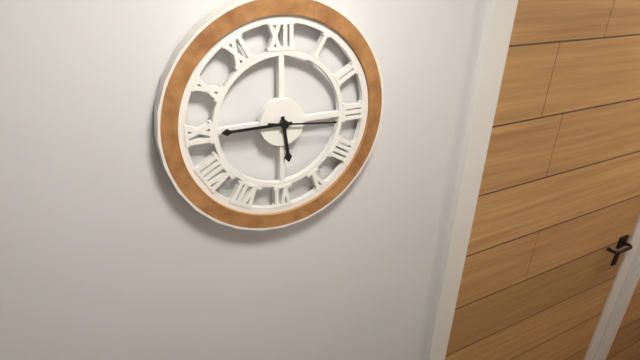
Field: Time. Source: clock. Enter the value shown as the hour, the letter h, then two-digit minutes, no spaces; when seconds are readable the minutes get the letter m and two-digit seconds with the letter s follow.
5h45m16s
